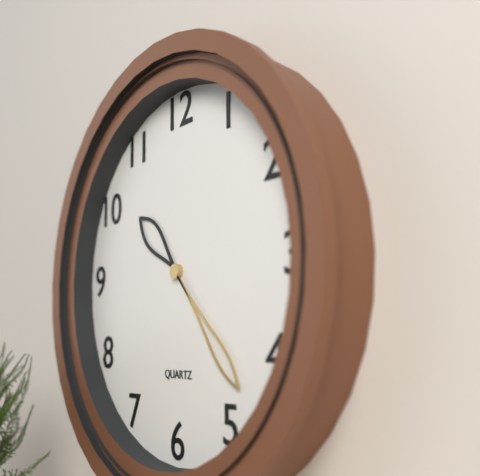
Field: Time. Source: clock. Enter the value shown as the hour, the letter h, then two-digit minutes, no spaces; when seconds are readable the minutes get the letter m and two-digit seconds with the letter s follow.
10h23
